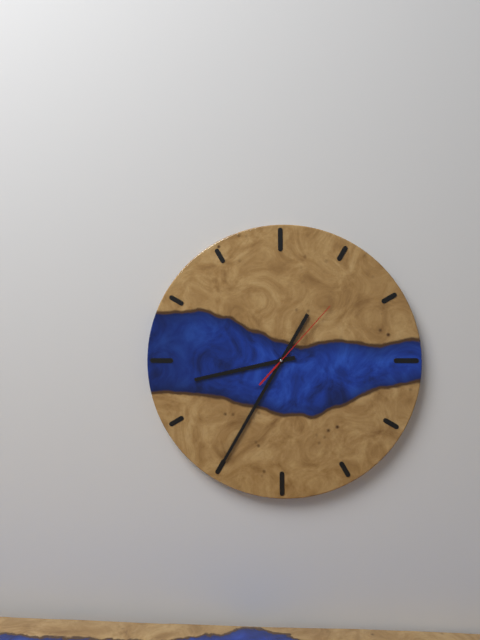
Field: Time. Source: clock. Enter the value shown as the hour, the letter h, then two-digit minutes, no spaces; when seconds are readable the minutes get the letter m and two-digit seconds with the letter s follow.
8h35m07s
